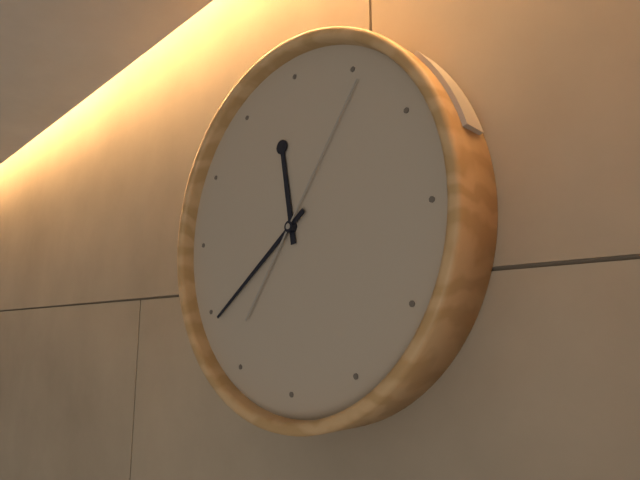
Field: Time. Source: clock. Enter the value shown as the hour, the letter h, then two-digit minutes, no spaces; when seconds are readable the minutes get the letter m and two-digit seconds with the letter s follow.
11h39m06s
